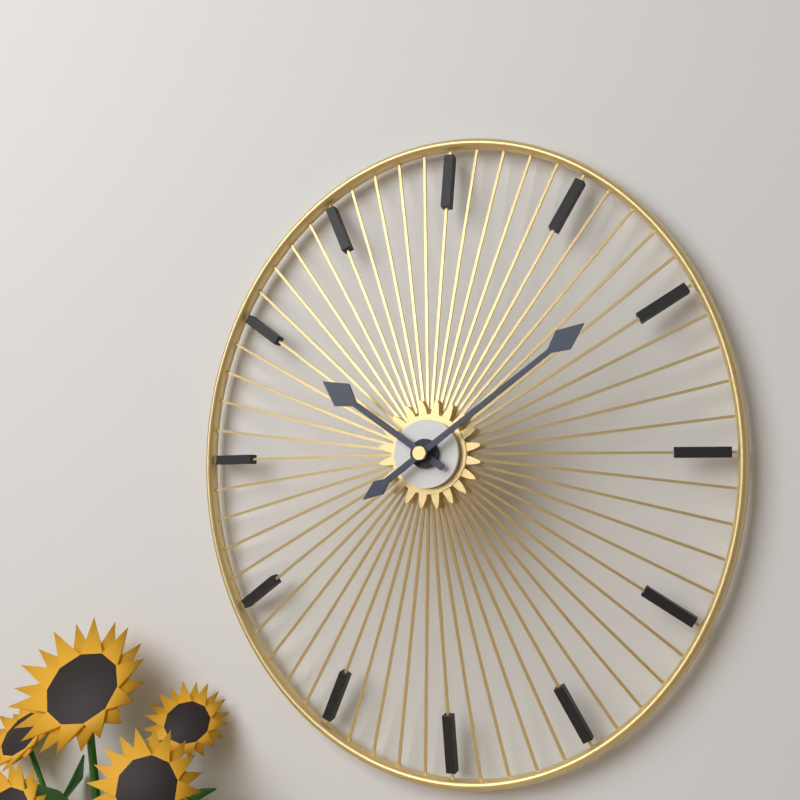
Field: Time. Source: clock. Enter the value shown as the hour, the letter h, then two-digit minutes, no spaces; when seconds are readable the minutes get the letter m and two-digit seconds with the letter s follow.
10h09
